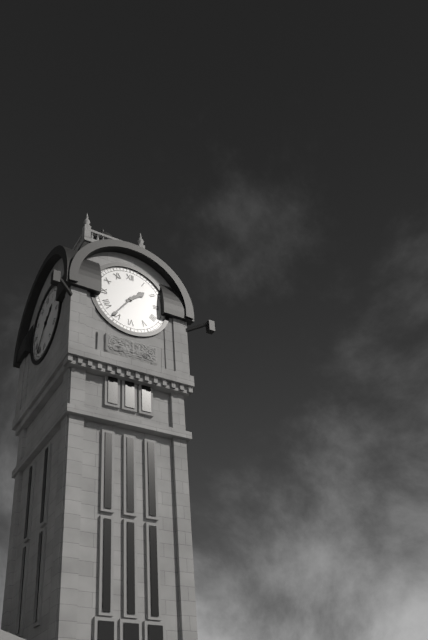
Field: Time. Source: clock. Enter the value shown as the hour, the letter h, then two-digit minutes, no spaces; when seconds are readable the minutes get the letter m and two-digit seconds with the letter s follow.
1h36
